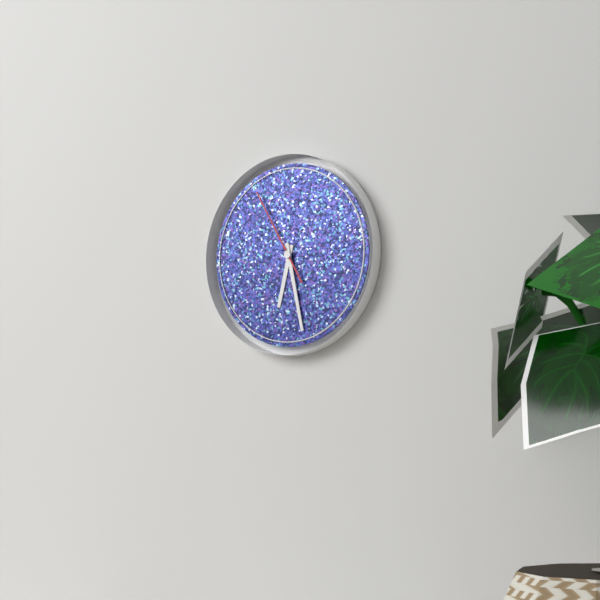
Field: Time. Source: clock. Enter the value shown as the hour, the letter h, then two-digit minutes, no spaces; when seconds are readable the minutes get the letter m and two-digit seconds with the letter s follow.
6h28m55s
